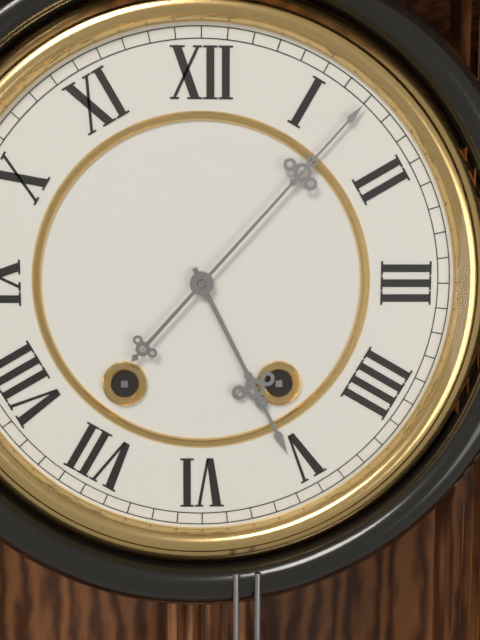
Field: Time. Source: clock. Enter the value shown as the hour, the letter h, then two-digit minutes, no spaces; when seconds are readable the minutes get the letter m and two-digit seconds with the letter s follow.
5h07
